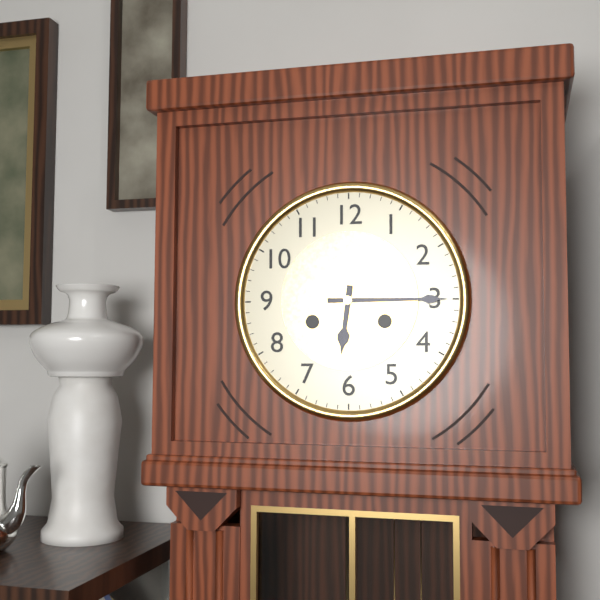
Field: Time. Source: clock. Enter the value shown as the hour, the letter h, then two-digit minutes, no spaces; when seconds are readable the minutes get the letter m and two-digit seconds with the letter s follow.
6h15
